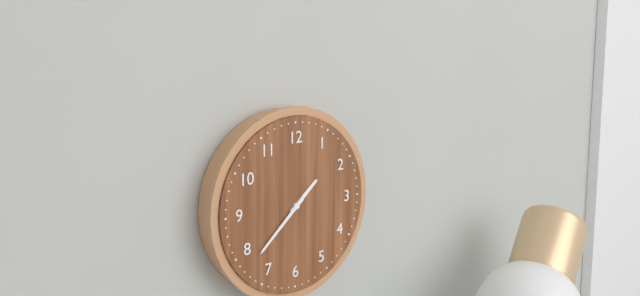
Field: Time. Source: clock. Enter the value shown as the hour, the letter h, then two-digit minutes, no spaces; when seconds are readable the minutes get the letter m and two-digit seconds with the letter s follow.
1h38
